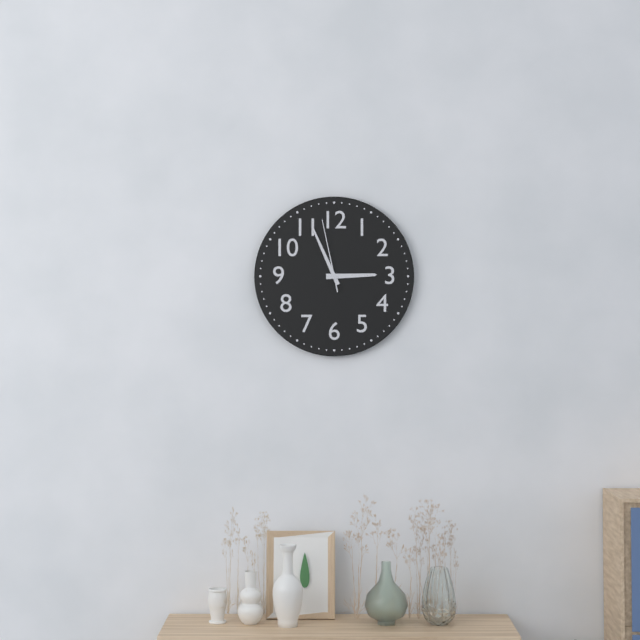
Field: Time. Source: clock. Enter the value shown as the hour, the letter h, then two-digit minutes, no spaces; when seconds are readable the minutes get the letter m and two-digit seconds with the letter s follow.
2h56m58s
